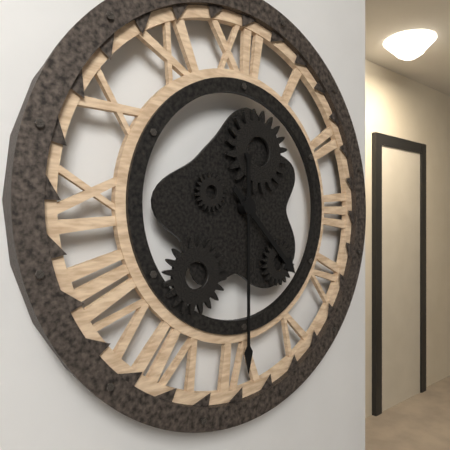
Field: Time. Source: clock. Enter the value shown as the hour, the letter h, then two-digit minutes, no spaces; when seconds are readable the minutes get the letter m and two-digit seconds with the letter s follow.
4h30
